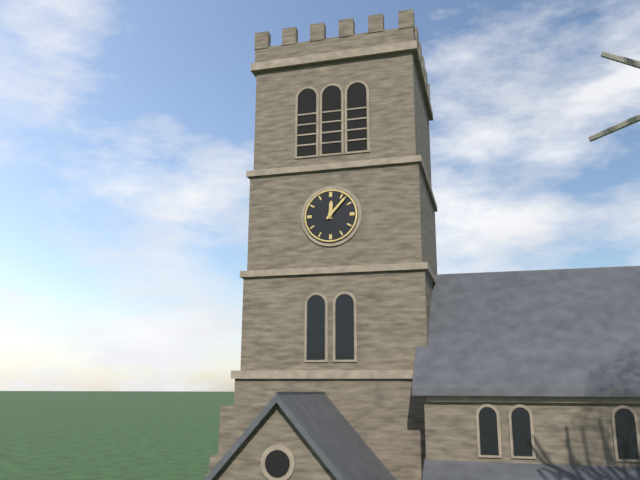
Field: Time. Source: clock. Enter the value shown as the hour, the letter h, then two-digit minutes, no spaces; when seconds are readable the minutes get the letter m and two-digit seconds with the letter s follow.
12h07
